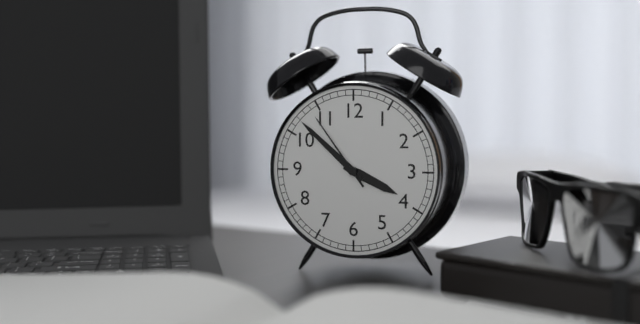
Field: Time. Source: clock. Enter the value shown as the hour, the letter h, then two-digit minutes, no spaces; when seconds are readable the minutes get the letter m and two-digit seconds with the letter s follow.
3h52m54s
